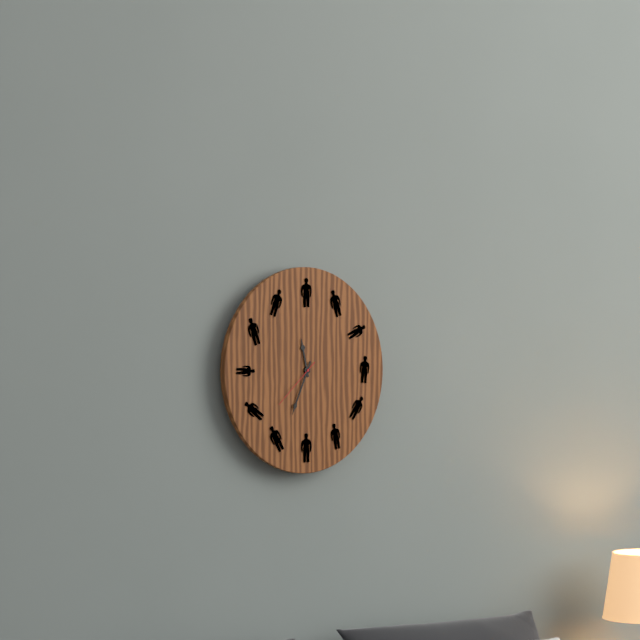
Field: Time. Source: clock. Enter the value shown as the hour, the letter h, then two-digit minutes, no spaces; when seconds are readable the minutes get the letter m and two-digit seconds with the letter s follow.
11h34m38s
